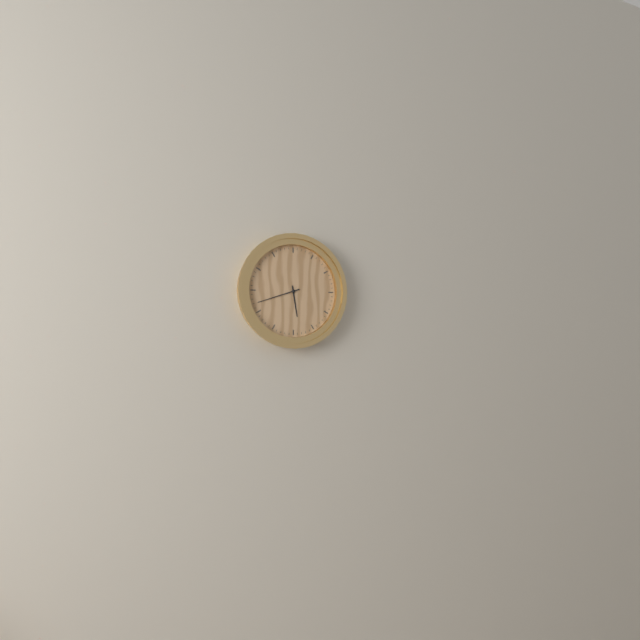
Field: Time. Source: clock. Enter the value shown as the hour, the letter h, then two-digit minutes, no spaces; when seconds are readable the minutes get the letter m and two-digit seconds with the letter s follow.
5h42
